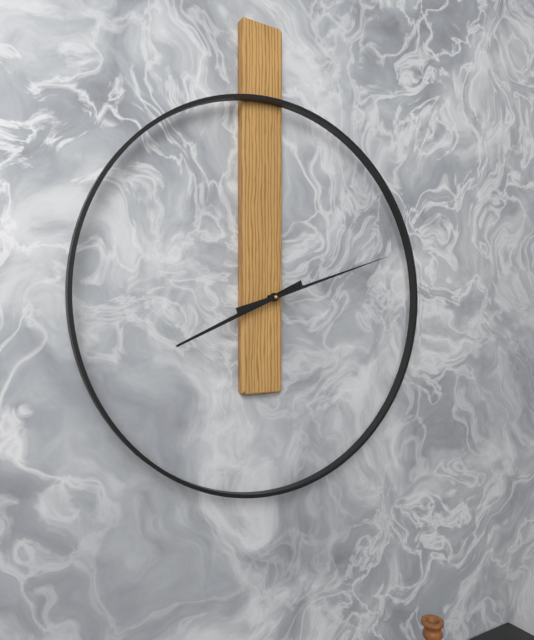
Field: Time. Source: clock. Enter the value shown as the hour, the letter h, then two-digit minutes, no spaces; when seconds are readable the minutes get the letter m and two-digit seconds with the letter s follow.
8h12
